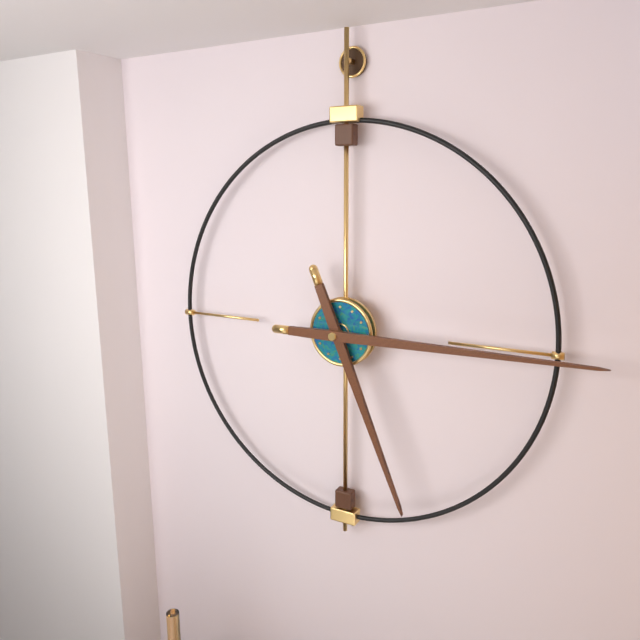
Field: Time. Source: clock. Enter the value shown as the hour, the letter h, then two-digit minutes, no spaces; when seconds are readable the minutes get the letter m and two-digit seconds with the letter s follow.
5h15
